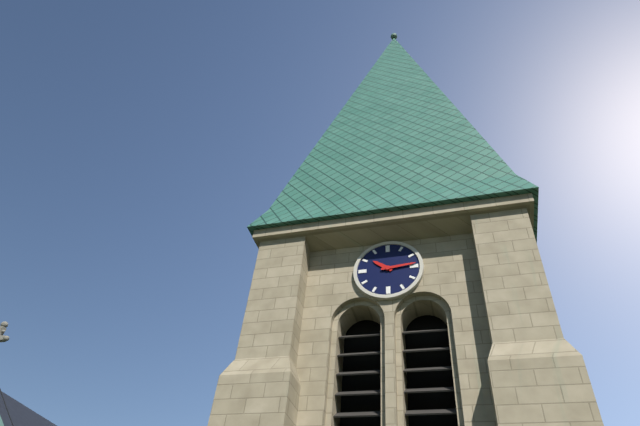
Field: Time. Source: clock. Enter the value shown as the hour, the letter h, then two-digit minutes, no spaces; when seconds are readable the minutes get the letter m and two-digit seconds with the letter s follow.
10h14
